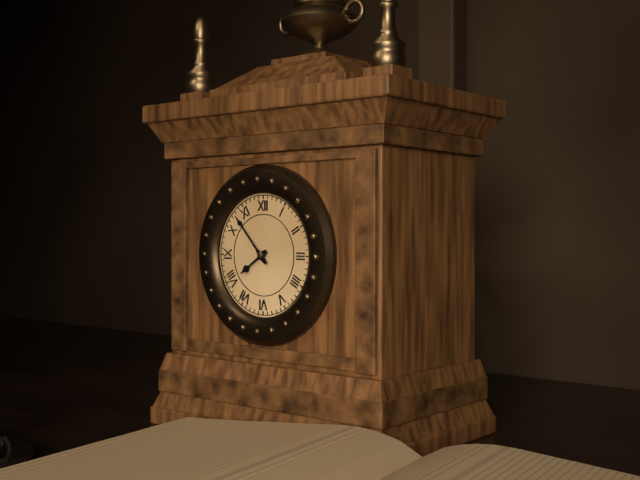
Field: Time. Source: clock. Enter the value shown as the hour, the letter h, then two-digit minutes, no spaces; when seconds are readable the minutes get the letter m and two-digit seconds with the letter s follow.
7h53
